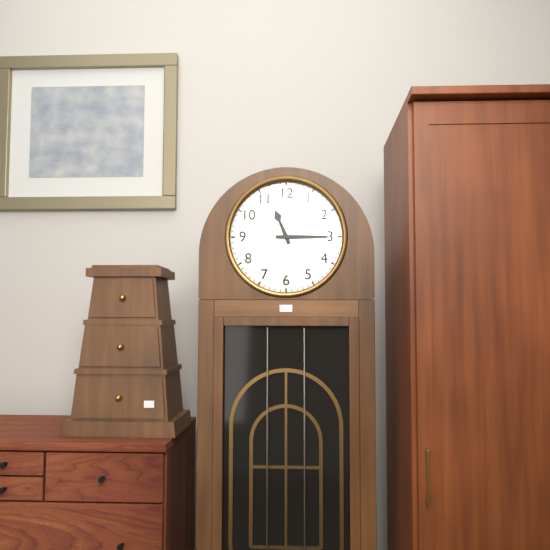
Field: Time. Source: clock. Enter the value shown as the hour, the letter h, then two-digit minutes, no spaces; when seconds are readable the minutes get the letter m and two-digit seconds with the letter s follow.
11h15
